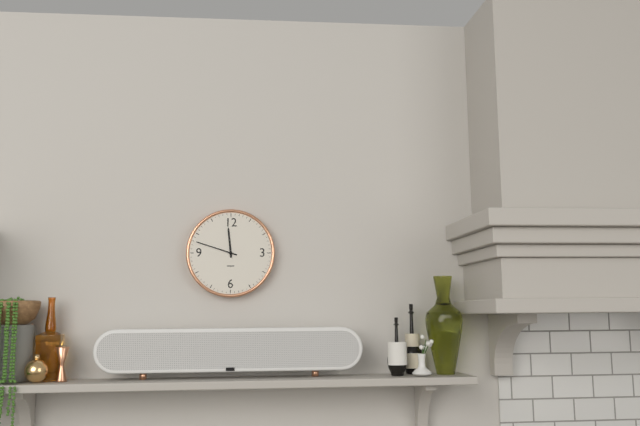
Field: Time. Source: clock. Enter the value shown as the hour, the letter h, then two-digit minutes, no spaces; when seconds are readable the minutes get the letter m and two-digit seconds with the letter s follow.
11h48
